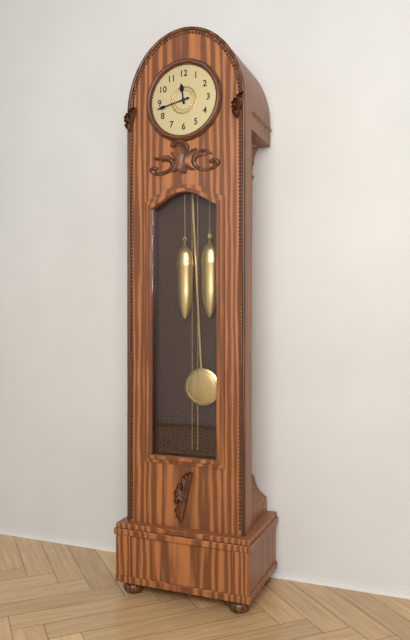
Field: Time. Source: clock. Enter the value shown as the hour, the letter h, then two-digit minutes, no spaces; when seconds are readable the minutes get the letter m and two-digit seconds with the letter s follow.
11h43
